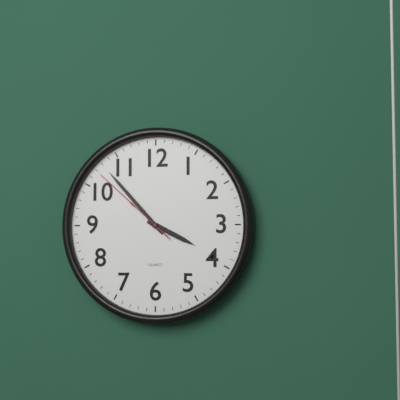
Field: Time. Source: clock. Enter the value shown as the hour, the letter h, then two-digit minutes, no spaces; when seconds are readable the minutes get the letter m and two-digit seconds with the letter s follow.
3h53m52s
